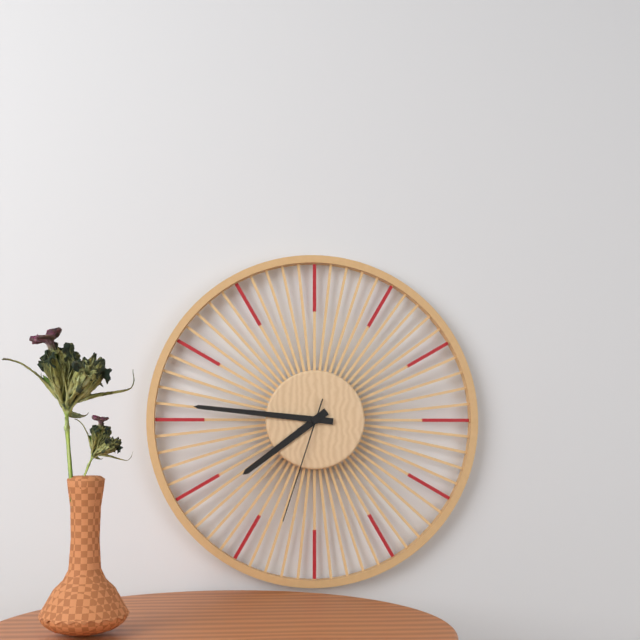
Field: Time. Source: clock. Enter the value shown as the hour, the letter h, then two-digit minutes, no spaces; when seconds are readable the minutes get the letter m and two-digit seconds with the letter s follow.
7h46m33s
